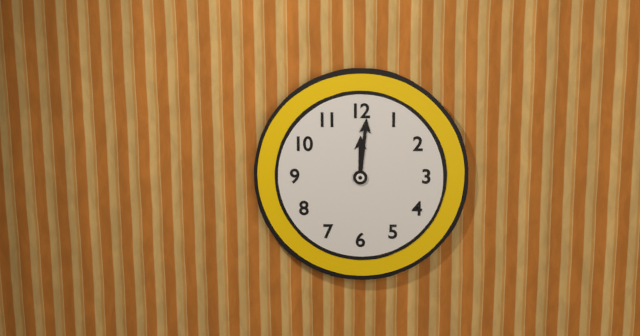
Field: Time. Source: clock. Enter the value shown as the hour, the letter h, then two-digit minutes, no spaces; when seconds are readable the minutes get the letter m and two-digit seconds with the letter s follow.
12h01
